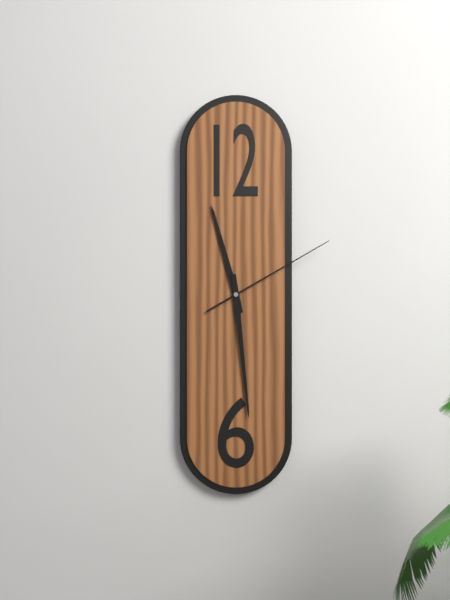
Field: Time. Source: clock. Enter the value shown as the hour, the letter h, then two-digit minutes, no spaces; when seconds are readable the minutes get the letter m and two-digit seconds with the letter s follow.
11h29m10s
